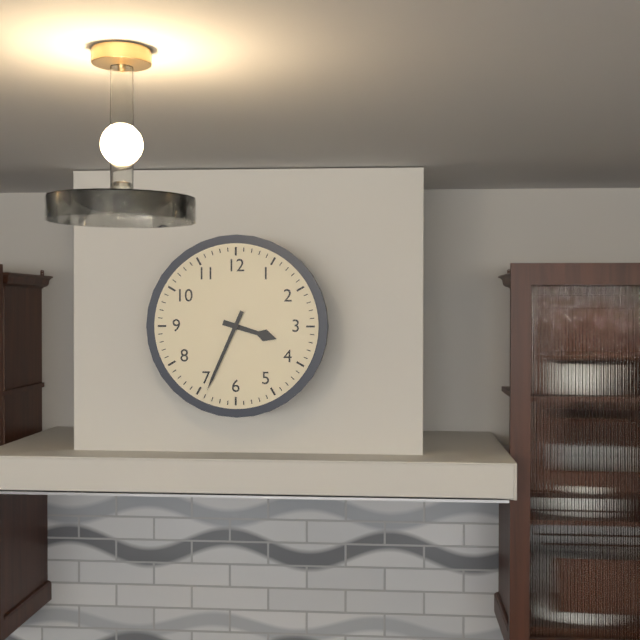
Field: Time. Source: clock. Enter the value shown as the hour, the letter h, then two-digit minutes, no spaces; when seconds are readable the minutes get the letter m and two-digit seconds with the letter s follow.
3h34
